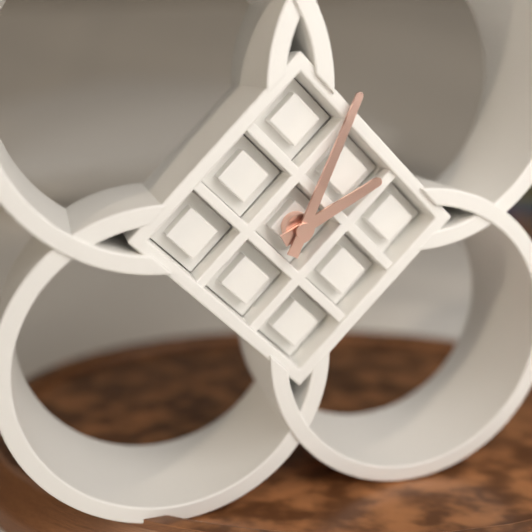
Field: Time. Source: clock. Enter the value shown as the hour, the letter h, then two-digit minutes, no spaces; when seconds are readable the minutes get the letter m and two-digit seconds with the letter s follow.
2h04
